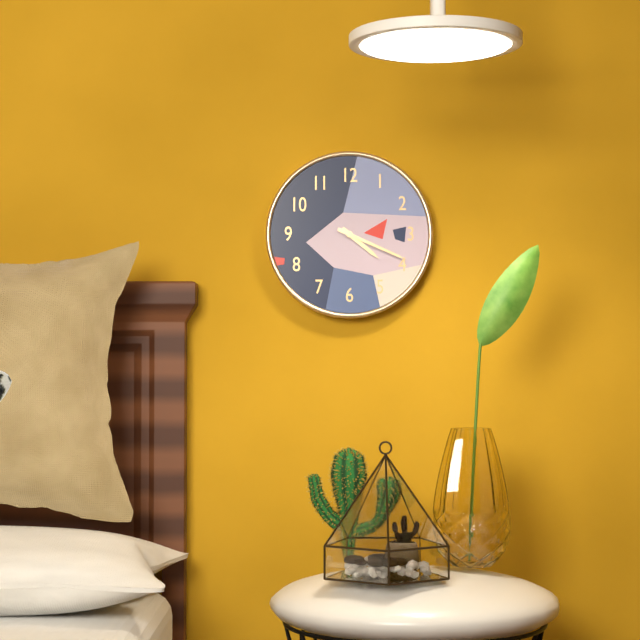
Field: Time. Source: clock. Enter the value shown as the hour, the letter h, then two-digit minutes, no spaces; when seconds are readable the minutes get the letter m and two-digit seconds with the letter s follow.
4h19
